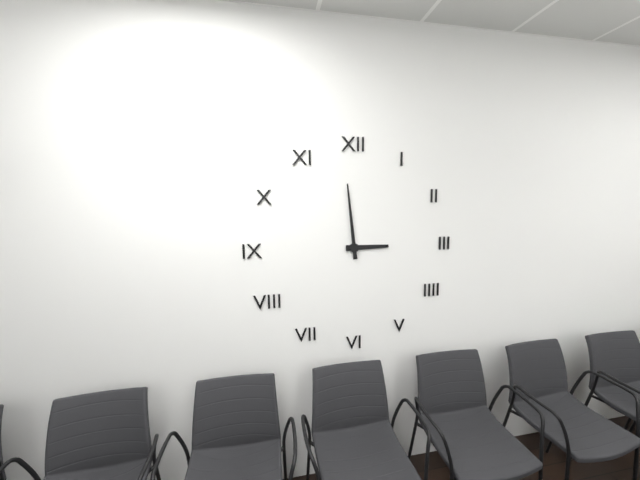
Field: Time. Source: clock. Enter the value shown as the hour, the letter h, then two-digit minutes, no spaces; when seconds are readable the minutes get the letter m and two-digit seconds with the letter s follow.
2h59
